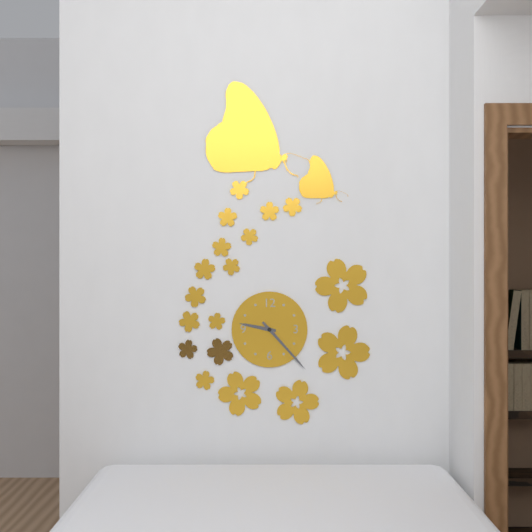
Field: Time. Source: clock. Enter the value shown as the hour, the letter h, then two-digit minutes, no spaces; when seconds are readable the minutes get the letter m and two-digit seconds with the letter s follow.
9h23
